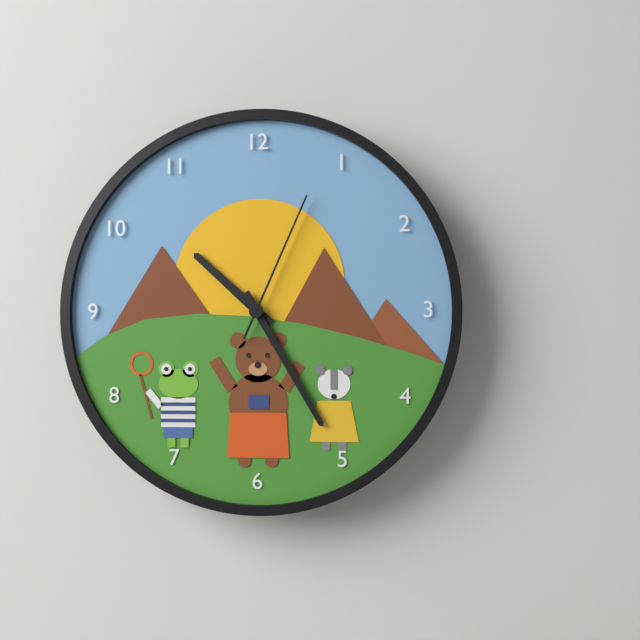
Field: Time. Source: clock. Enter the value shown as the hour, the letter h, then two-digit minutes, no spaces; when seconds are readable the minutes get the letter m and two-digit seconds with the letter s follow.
10h25m04s
